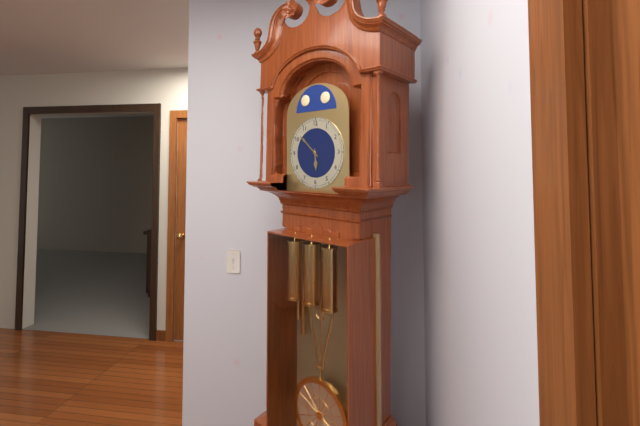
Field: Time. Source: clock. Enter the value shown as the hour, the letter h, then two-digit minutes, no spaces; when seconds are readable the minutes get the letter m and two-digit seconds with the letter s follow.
5h52
